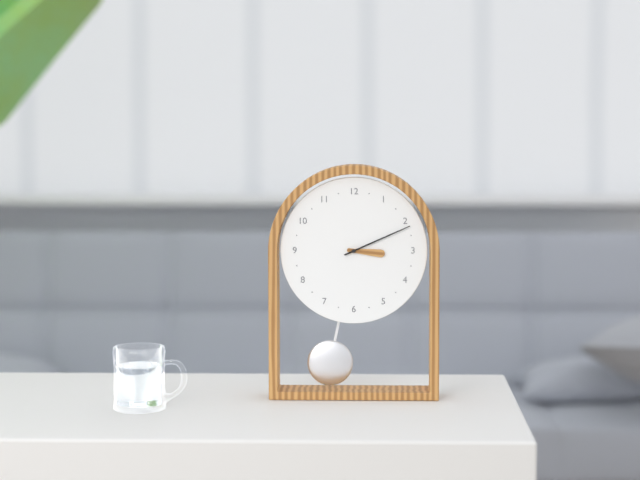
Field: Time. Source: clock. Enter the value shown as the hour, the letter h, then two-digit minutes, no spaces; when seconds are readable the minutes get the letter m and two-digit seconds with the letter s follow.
3h11
